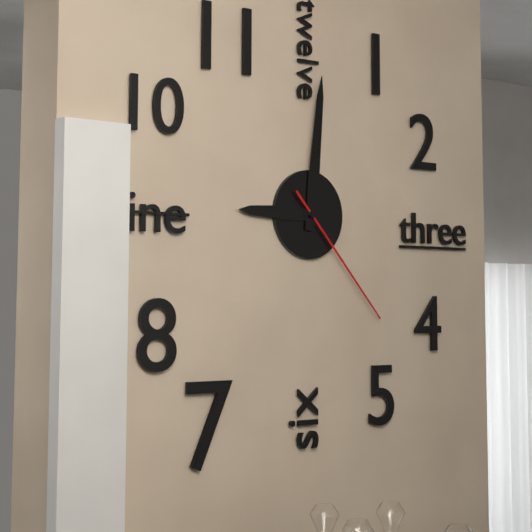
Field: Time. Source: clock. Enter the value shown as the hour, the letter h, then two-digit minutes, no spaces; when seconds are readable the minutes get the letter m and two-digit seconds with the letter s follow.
9h01m23s
